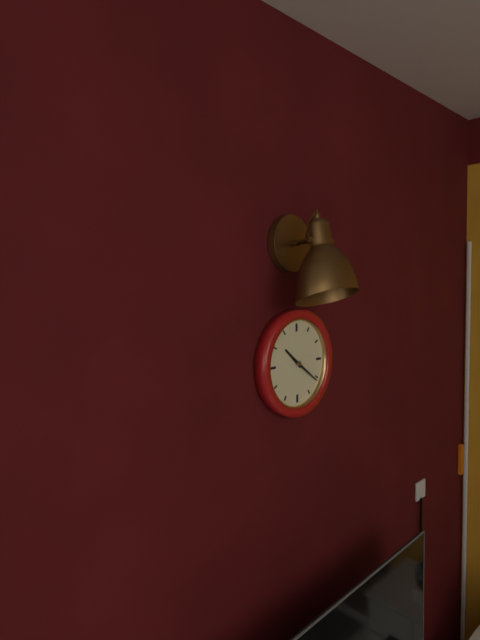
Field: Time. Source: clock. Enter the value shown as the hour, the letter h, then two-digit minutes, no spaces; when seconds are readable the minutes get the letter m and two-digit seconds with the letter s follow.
10h21
